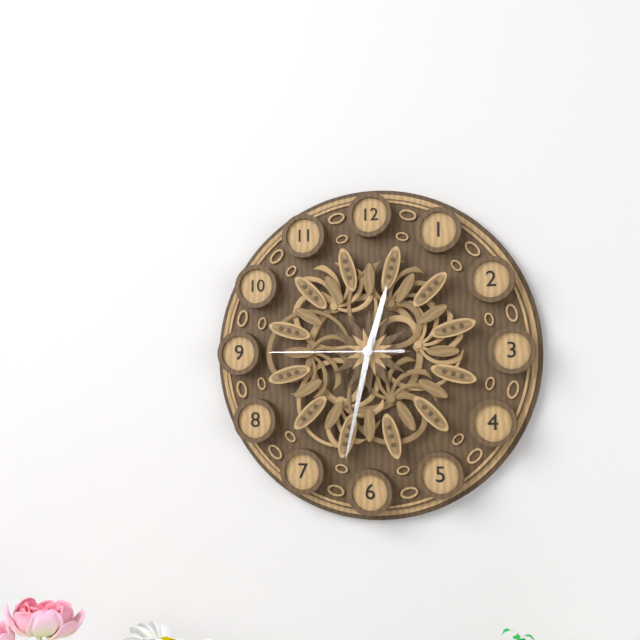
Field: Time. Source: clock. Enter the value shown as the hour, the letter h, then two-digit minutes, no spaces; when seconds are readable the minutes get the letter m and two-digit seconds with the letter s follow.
12h32m45s
